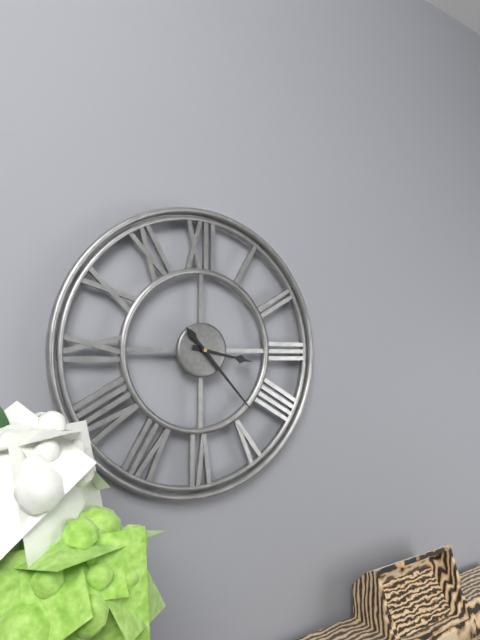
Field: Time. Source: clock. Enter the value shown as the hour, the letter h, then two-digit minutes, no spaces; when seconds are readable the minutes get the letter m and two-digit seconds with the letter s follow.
3h23
